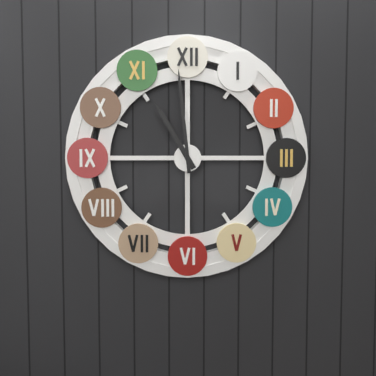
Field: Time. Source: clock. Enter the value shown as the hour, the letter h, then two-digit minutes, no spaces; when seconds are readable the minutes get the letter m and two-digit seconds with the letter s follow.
10h59
